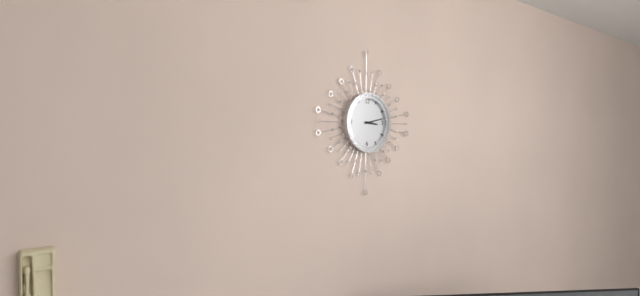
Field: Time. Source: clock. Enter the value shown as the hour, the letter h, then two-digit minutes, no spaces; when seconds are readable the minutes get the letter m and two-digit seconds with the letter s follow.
3h13
